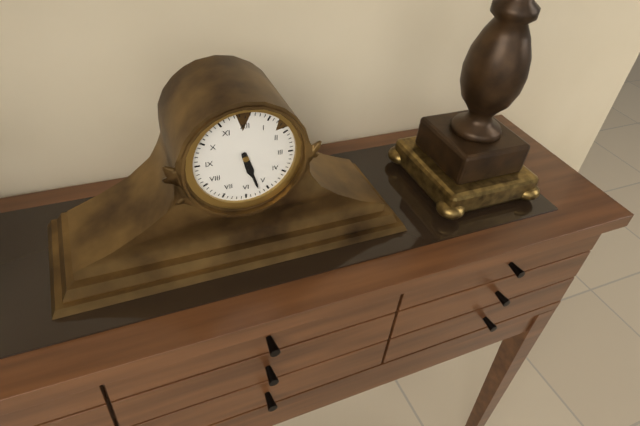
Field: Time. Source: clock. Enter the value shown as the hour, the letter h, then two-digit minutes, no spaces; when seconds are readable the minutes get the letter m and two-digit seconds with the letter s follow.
5h27
